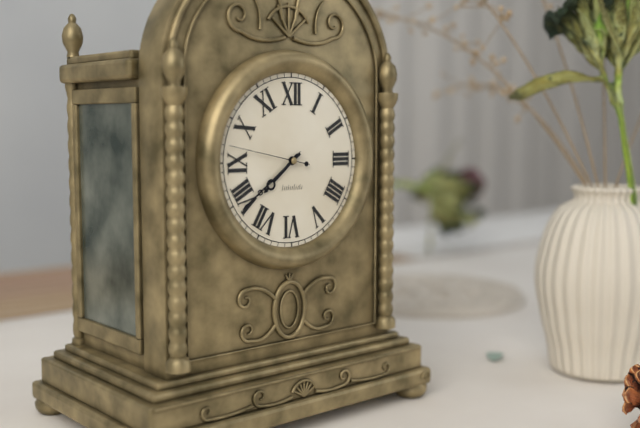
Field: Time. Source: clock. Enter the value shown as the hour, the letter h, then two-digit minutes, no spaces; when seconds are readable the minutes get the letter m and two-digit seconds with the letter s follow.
7h39m47s
